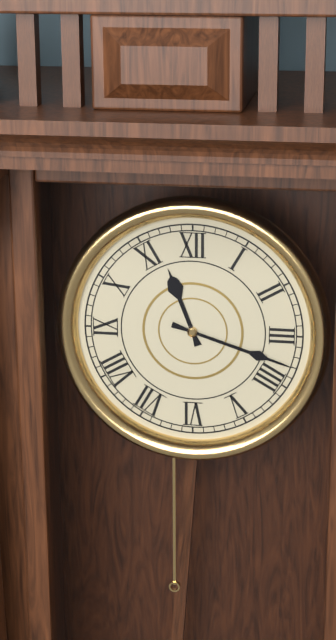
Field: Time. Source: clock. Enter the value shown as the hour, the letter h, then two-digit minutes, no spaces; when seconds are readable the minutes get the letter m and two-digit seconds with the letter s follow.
11h18
